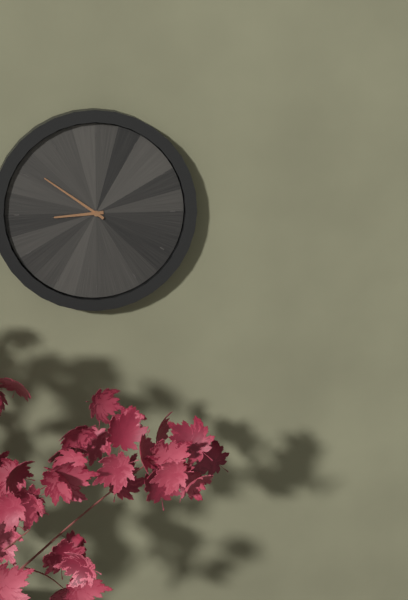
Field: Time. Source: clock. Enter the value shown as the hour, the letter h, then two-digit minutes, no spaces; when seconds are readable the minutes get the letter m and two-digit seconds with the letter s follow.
8h51
